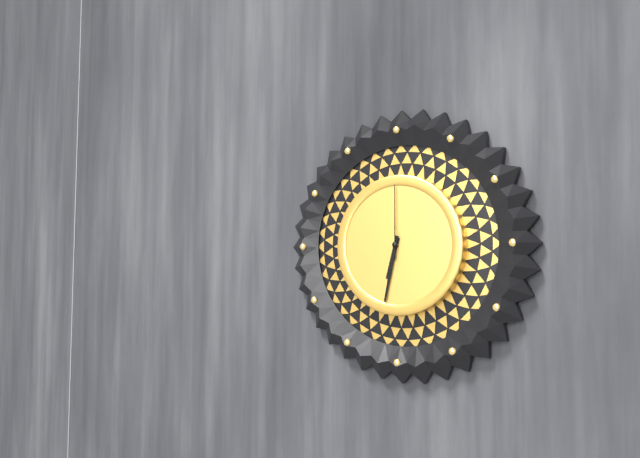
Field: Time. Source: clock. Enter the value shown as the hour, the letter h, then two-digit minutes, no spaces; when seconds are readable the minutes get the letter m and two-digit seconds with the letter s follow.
6h32m00s
